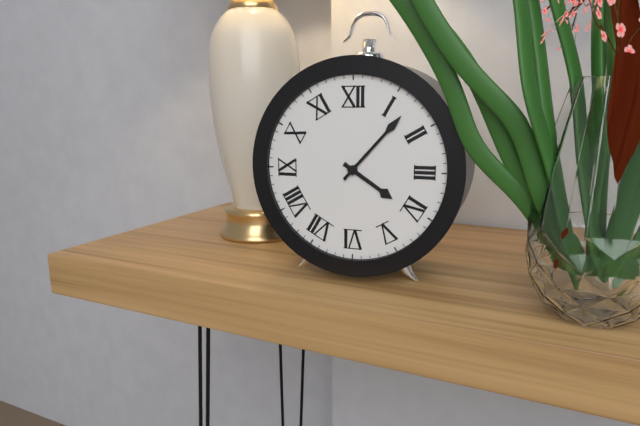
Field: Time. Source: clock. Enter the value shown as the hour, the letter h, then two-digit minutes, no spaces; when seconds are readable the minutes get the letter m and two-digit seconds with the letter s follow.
4h07
